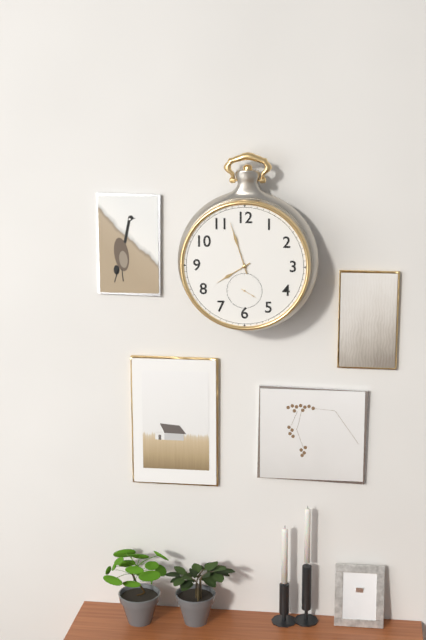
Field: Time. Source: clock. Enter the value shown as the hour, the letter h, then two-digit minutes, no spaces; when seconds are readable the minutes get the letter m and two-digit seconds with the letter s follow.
7h57
